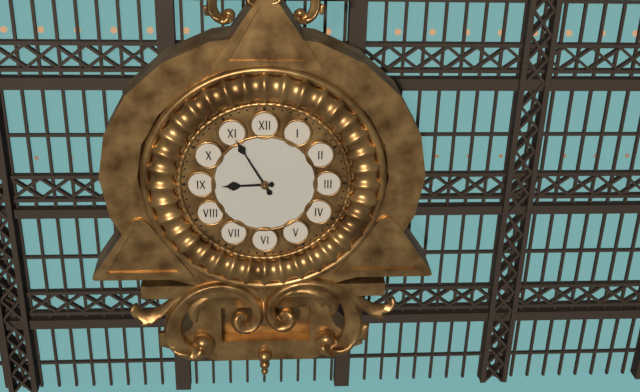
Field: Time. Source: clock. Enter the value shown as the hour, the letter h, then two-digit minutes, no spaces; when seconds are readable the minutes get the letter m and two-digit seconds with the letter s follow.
8h55
